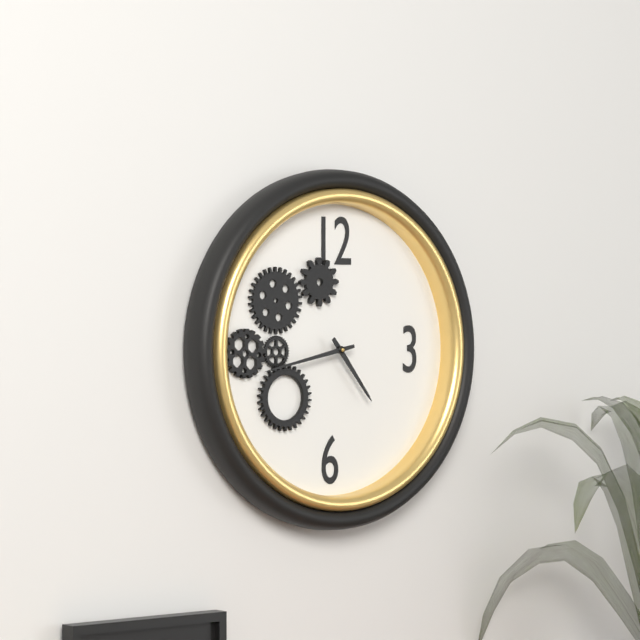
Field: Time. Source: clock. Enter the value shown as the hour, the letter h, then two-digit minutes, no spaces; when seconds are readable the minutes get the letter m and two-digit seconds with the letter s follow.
4h43
